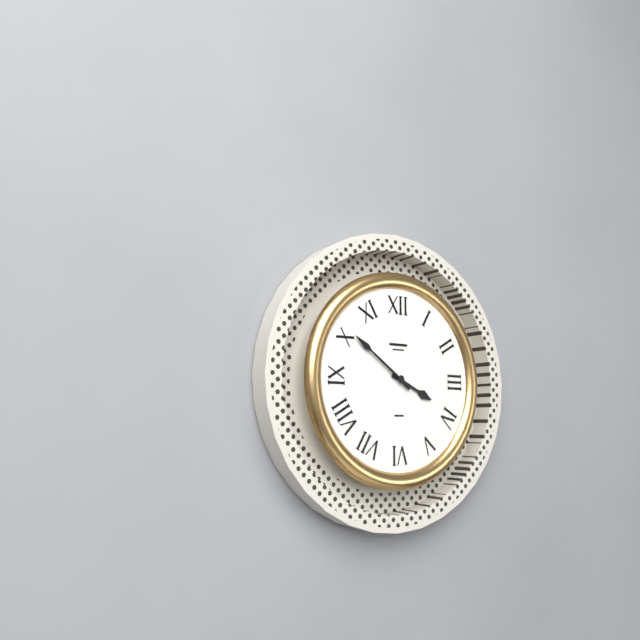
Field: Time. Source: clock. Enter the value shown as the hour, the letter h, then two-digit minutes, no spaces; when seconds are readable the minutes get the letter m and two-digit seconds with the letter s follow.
3h51
